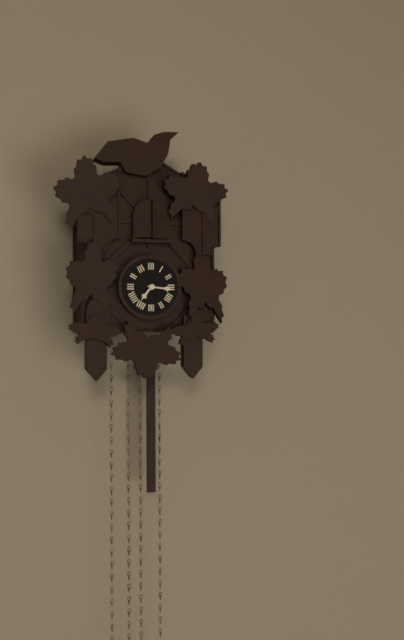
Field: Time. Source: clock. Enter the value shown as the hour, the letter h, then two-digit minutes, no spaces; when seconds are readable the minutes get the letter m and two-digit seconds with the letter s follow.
7h16
